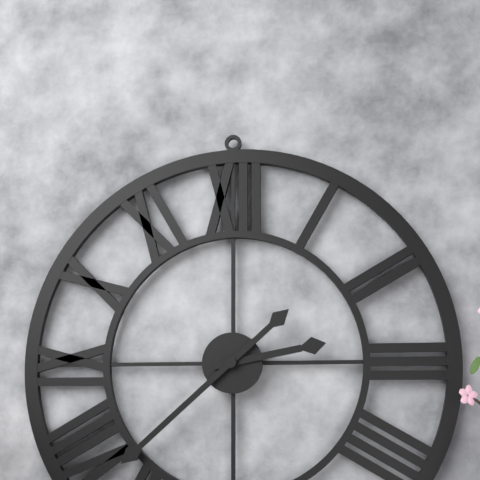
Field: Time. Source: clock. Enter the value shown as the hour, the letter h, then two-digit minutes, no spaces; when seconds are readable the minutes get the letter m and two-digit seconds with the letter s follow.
2h38
